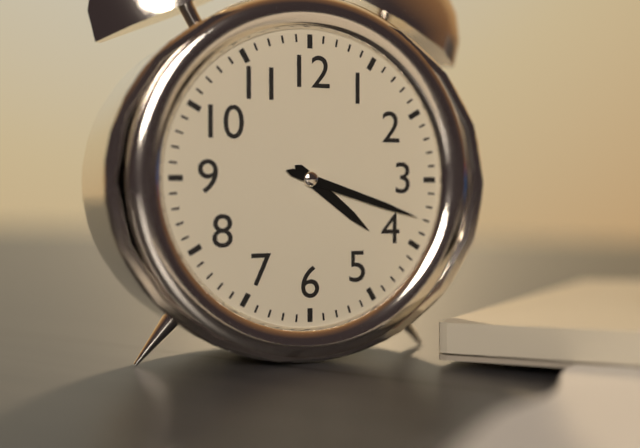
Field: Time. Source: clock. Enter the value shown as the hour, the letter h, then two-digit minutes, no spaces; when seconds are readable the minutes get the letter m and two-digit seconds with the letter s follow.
4h18
